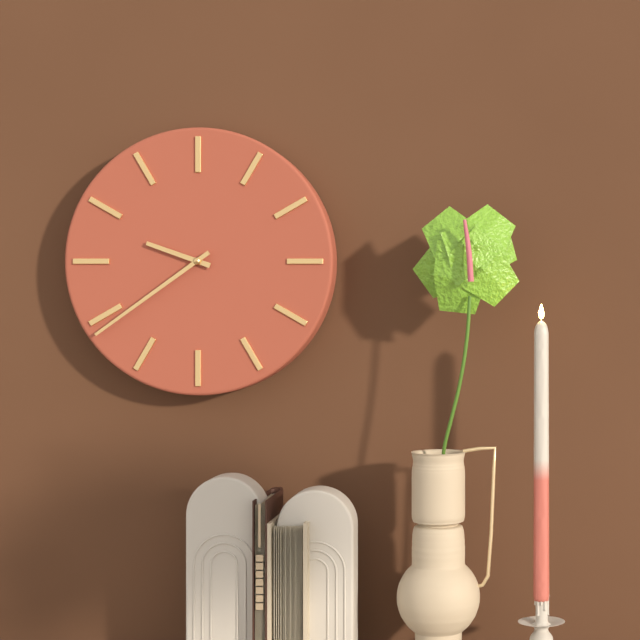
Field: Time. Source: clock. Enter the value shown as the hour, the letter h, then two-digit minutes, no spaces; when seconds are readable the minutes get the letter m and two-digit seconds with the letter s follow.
9h39
